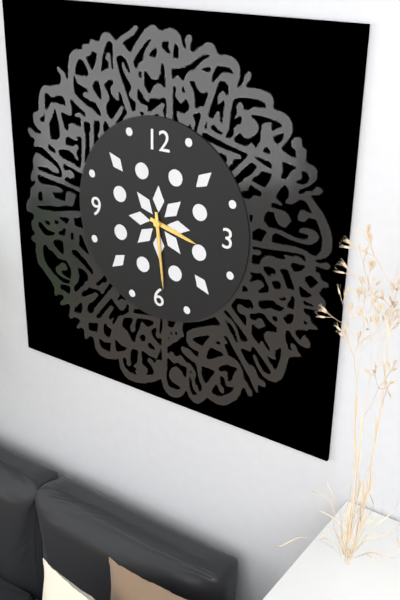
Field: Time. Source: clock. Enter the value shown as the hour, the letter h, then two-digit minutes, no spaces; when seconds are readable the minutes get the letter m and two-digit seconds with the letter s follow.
3h29
